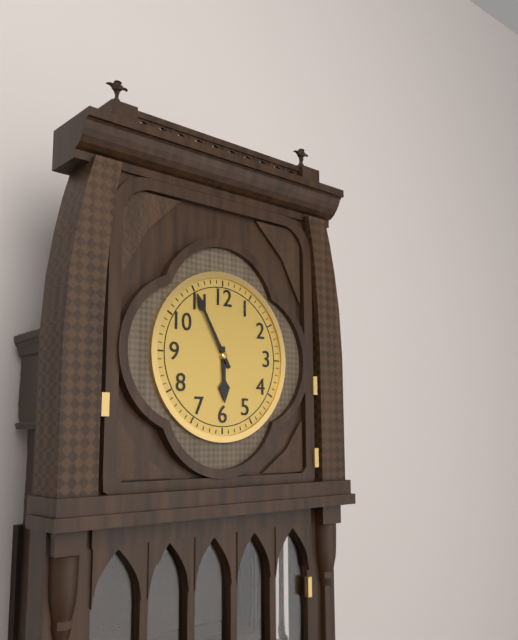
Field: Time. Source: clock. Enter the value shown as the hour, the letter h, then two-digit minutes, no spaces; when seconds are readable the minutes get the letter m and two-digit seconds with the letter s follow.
5h55
